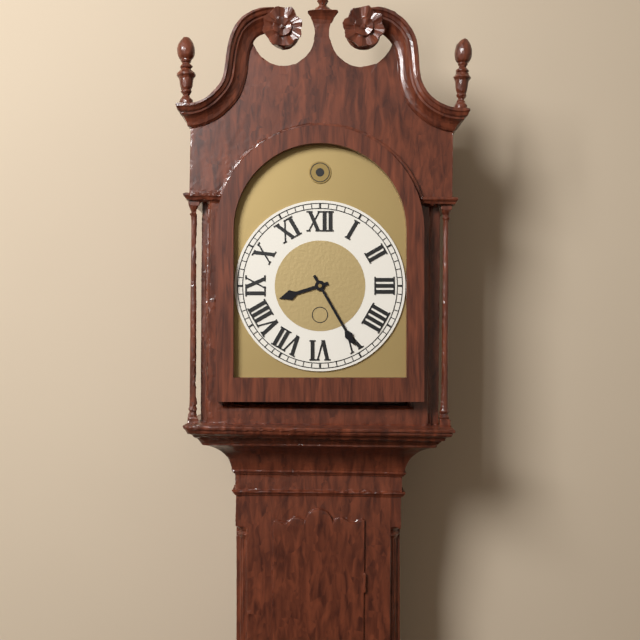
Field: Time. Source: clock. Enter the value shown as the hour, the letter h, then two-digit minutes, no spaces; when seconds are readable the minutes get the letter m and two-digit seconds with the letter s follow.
8h25
